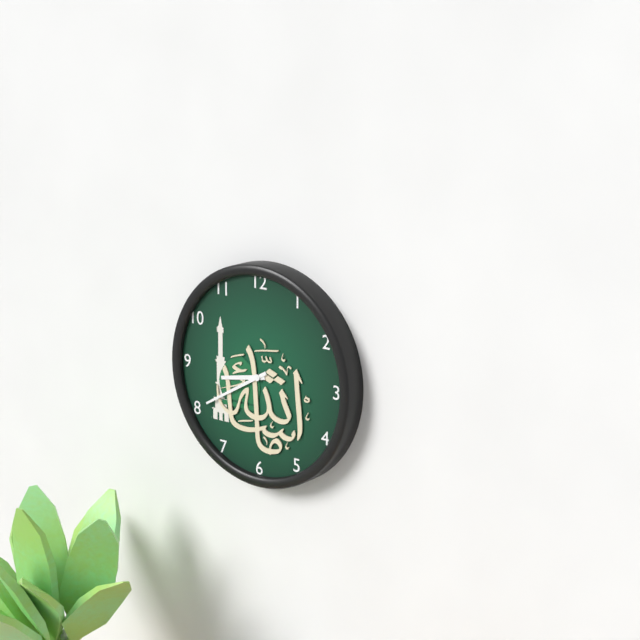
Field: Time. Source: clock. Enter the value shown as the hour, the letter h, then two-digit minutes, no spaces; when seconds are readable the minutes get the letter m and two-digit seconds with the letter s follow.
8h40
